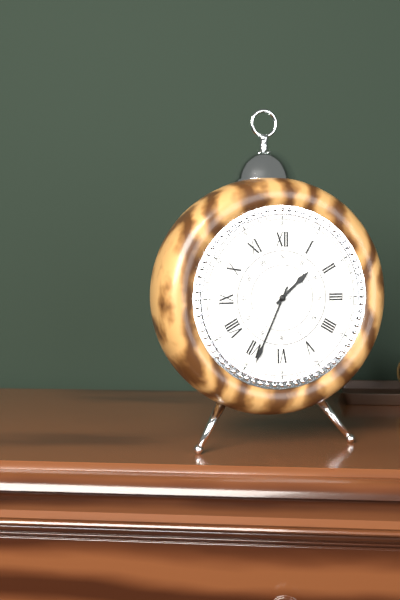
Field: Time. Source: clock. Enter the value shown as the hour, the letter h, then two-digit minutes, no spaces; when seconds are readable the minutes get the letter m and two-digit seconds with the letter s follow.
1h34
